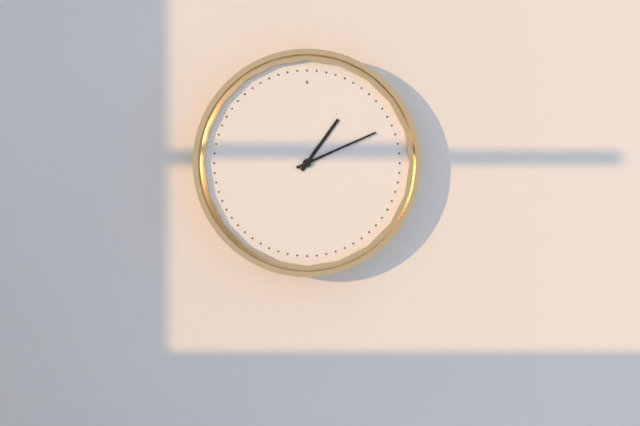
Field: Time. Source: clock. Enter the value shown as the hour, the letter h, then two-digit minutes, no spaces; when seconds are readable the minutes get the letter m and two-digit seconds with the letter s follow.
1h11
